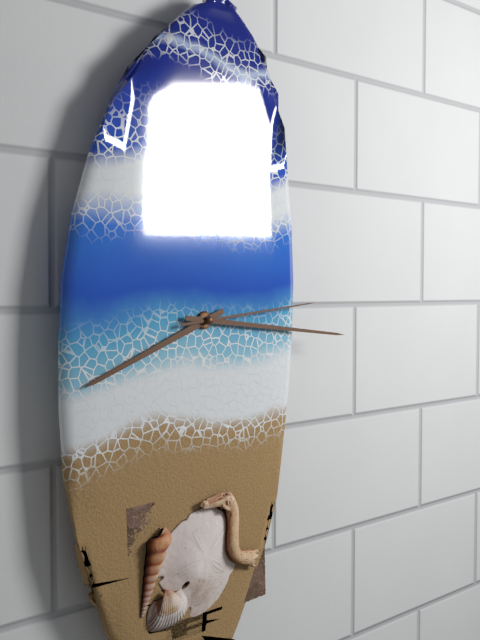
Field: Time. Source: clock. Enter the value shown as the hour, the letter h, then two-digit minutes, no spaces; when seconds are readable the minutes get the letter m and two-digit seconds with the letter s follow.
8h16m14s
